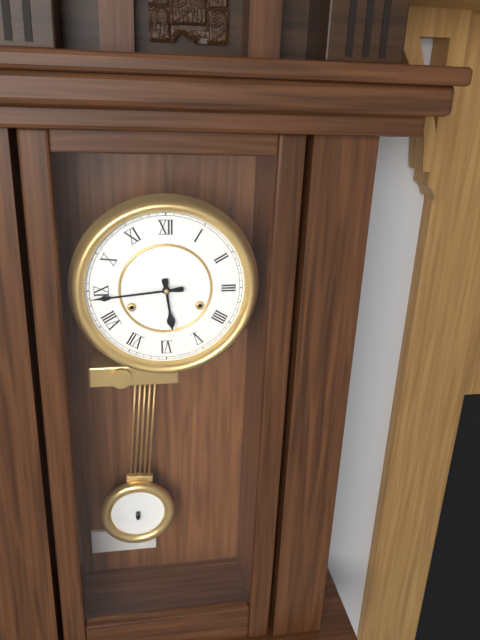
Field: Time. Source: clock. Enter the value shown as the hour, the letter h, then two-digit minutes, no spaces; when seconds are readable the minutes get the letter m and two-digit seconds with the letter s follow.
5h44
